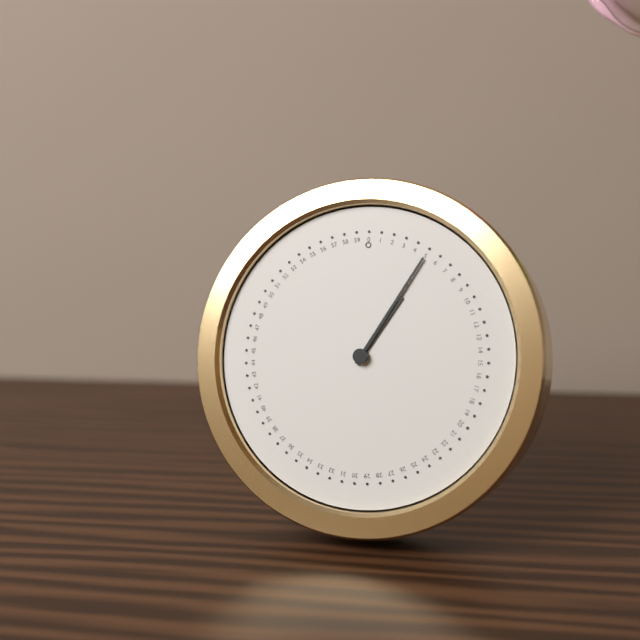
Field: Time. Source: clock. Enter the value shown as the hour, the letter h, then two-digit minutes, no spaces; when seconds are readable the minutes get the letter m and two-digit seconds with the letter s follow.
1h05
